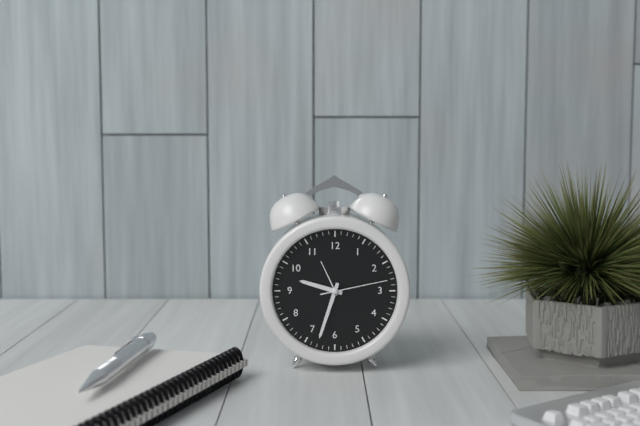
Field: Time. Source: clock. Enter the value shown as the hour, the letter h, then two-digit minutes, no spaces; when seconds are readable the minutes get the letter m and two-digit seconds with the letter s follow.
9h33m13s
